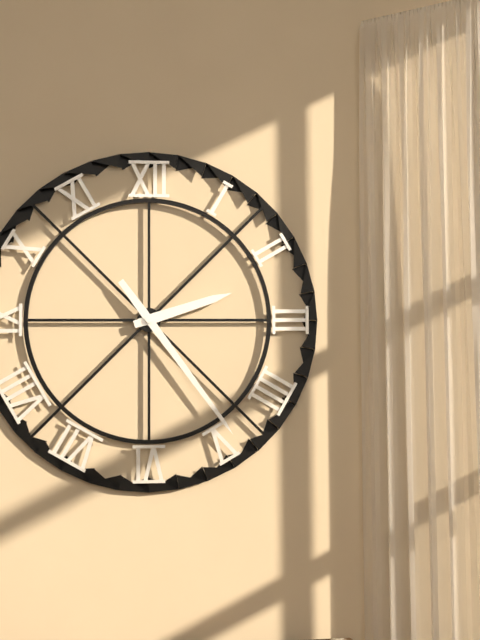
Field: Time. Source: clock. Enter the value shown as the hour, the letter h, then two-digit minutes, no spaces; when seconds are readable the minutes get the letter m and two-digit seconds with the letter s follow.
2h24
